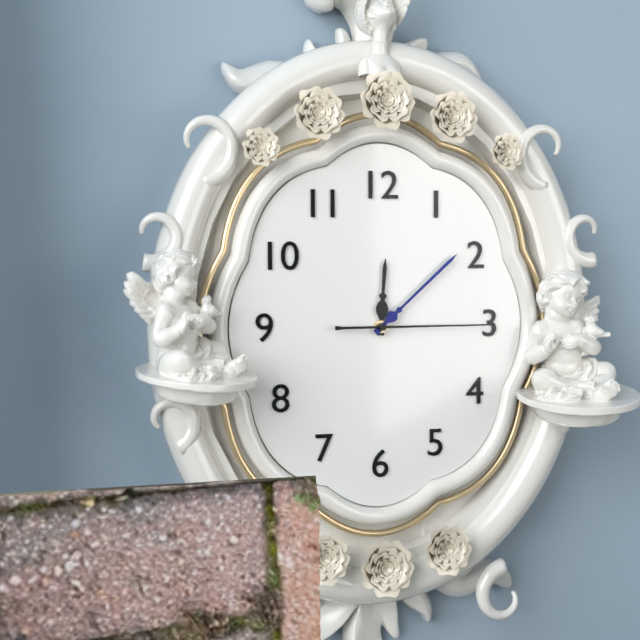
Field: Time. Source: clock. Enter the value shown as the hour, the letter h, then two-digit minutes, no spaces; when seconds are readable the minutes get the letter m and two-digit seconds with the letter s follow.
12h08m15s
